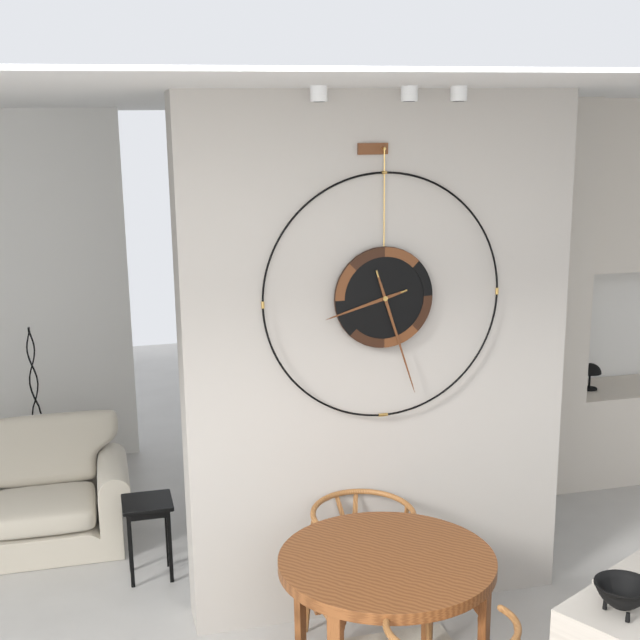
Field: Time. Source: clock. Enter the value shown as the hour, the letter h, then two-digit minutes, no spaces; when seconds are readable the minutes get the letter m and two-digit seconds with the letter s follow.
8h27
